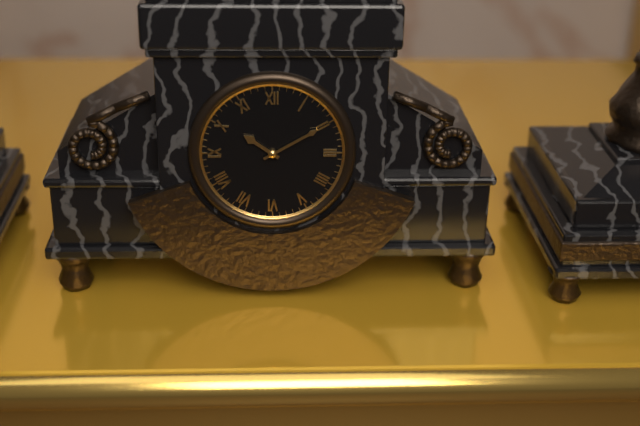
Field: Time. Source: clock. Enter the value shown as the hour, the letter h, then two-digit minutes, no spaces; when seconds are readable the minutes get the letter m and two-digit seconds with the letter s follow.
10h10
